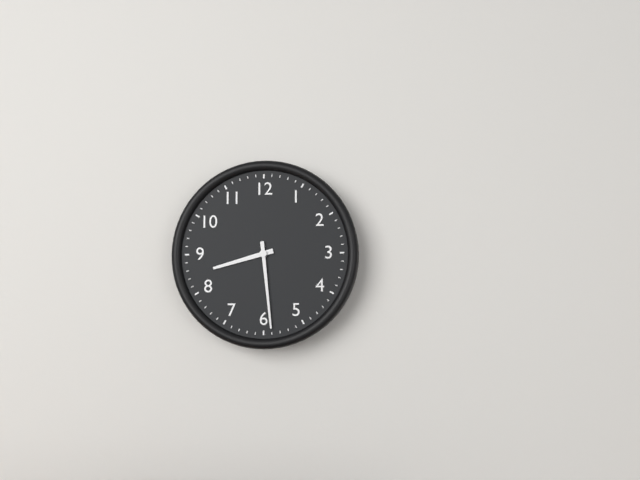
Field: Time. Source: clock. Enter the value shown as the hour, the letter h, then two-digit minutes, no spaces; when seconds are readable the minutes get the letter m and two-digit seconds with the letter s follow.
8h29
